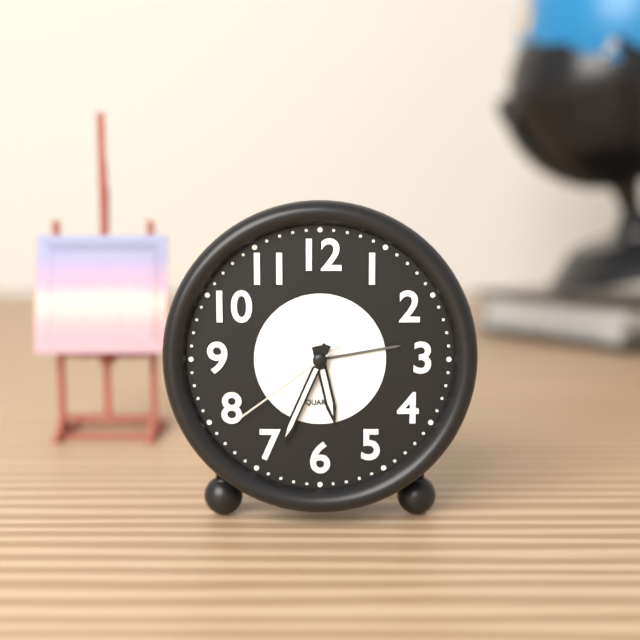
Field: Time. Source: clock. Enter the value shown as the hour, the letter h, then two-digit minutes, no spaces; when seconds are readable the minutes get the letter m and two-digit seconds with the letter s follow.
5h34m39s
